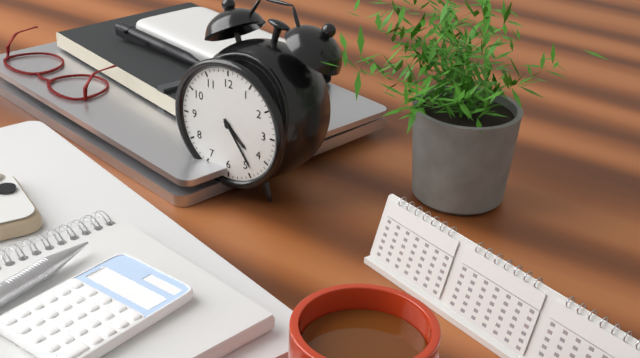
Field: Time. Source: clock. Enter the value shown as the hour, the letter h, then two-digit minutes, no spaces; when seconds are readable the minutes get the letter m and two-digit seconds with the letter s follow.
4h24
